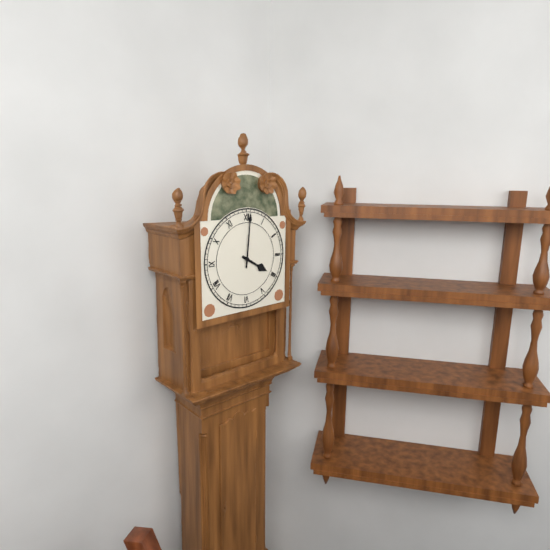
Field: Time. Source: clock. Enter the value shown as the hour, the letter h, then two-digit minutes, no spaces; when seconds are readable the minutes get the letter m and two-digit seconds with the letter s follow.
4h01
